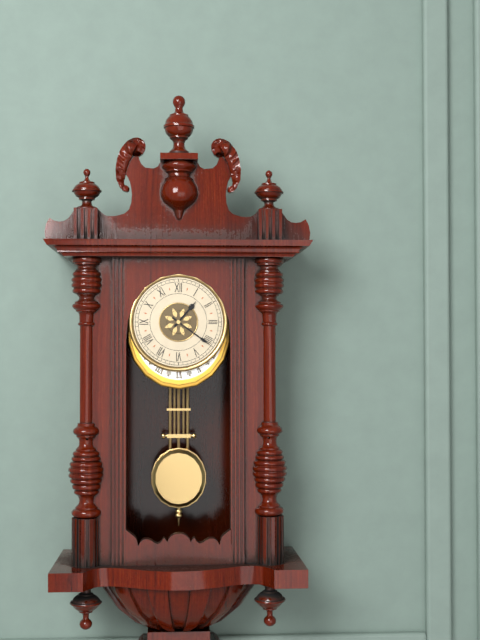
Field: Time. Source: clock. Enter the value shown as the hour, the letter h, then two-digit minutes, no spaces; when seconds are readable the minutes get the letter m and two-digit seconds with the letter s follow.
1h21
